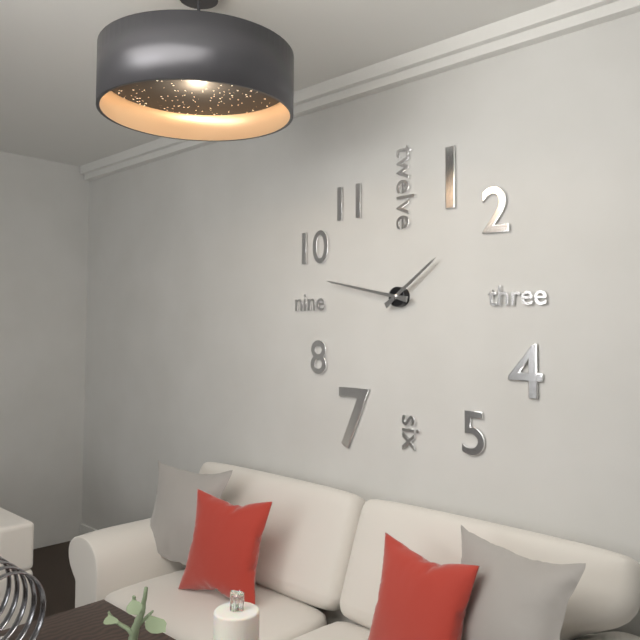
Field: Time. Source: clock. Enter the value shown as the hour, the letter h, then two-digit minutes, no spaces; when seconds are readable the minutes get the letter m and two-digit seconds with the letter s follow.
1h47
